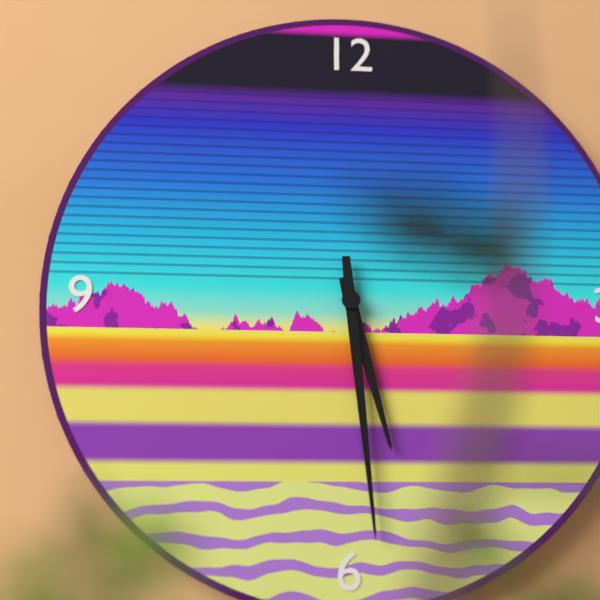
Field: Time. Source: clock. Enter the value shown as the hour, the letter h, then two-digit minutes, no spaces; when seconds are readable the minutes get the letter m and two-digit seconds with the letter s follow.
5h29
